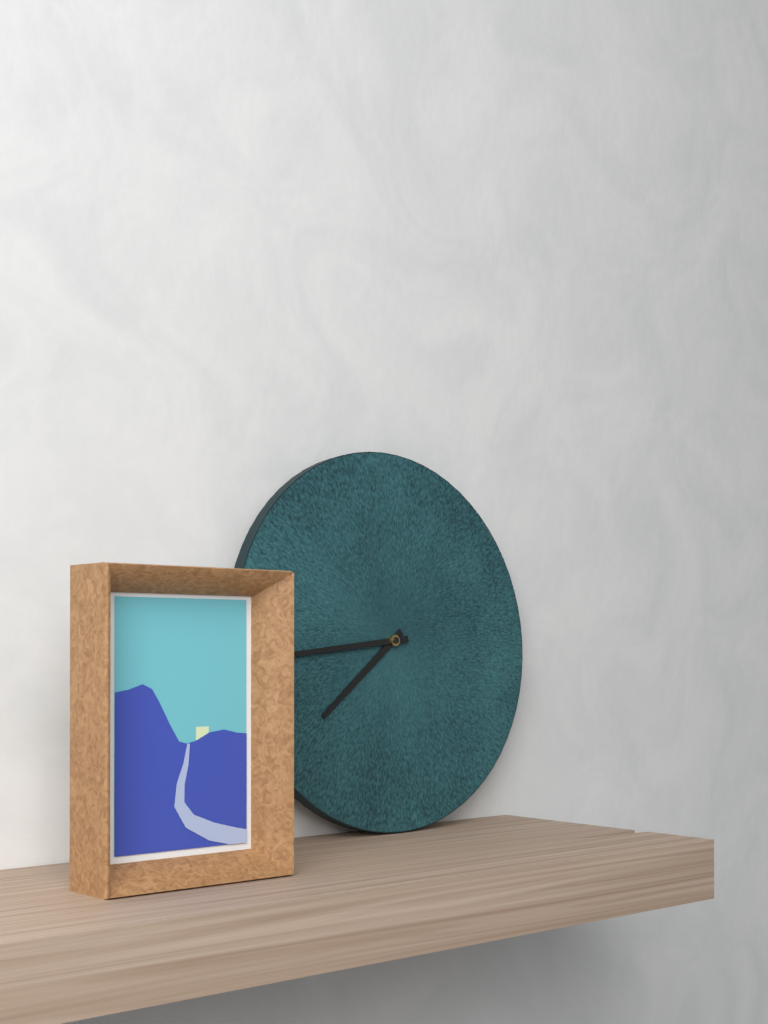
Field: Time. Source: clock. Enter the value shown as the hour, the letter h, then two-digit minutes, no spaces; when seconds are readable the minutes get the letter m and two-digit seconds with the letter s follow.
7h44
